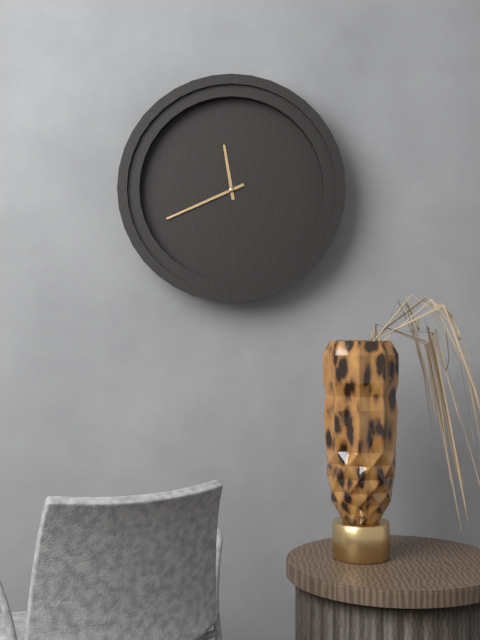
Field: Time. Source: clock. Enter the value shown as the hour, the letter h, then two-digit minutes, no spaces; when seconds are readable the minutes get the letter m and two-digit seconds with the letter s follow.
11h41
